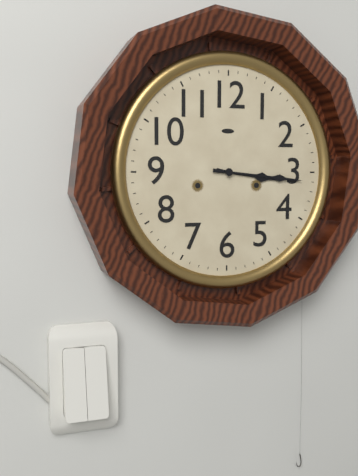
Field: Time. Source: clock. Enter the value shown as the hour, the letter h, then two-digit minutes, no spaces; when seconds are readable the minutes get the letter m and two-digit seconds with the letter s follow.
3h16
